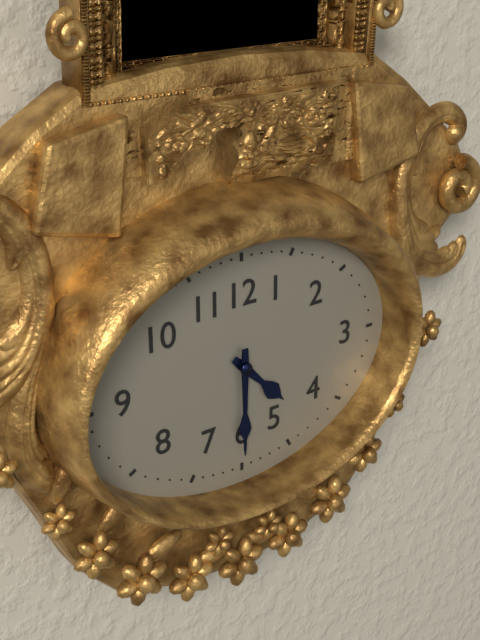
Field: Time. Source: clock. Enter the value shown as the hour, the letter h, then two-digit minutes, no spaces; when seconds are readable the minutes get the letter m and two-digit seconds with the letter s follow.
4h30
